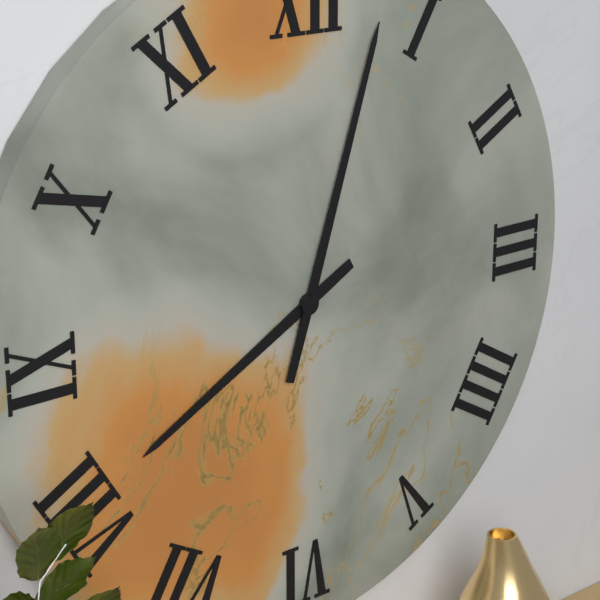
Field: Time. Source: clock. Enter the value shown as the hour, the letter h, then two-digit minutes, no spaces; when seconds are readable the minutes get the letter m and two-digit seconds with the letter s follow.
8h03
